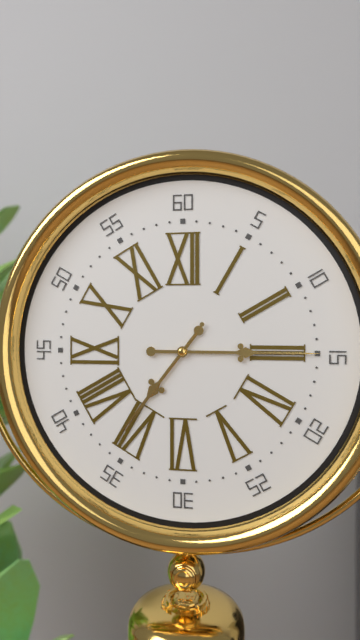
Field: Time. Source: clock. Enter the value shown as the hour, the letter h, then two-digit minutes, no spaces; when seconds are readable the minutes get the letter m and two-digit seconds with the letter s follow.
7h15m36s
